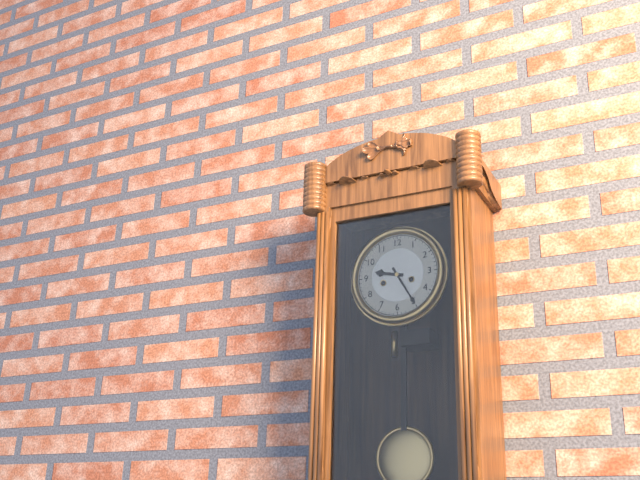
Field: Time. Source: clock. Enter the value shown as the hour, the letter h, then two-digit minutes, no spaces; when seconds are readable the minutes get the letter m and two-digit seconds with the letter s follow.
9h25
